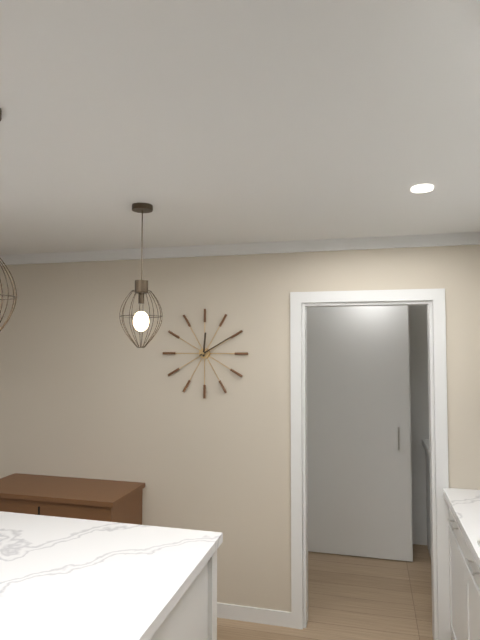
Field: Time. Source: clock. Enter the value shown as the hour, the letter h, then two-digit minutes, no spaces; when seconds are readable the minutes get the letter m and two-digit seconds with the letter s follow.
12h10
